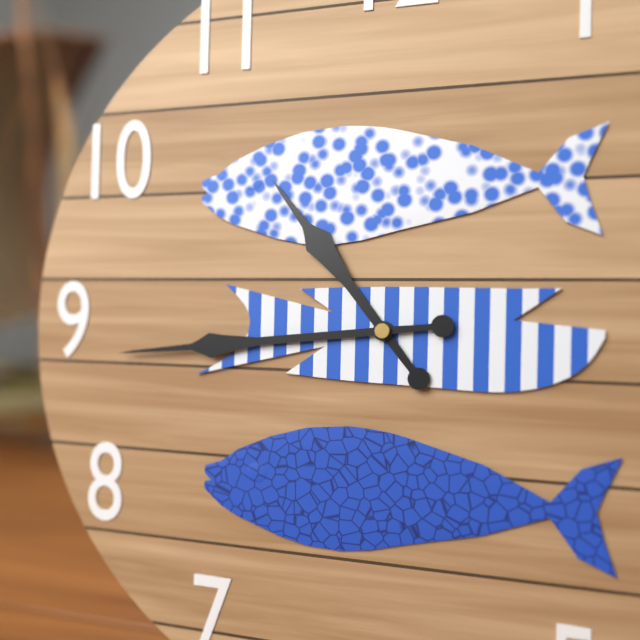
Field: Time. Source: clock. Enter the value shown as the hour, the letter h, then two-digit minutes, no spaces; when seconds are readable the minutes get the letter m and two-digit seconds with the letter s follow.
10h44
